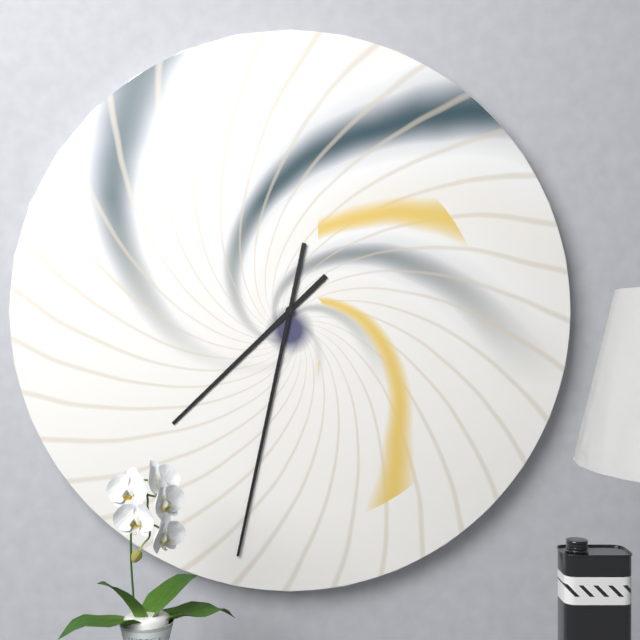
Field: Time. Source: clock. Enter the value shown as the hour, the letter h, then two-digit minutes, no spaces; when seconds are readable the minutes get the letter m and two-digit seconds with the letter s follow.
7h32
